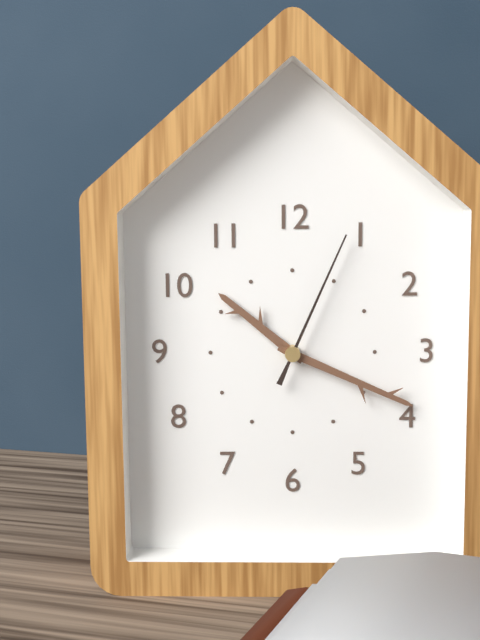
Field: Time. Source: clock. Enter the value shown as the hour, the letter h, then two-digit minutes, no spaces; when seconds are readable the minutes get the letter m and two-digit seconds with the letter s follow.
10h19m04s
